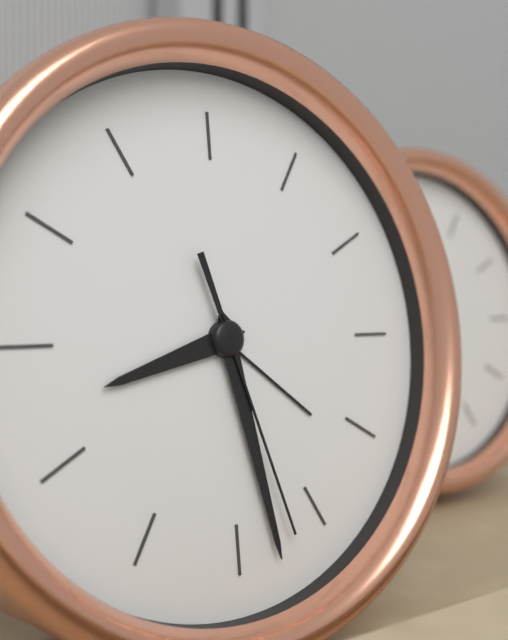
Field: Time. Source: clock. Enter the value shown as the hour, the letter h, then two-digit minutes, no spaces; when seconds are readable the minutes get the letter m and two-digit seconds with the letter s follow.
8h28m27s
